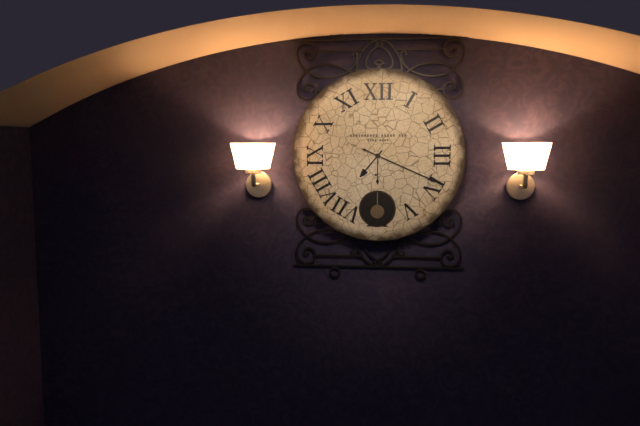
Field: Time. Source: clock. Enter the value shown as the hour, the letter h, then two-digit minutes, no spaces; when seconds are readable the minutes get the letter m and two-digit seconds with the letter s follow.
7h19
